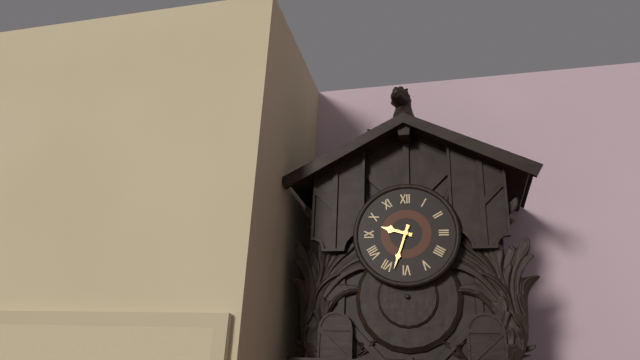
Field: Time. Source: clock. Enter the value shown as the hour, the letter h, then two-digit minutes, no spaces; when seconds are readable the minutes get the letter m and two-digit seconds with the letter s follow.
9h33
